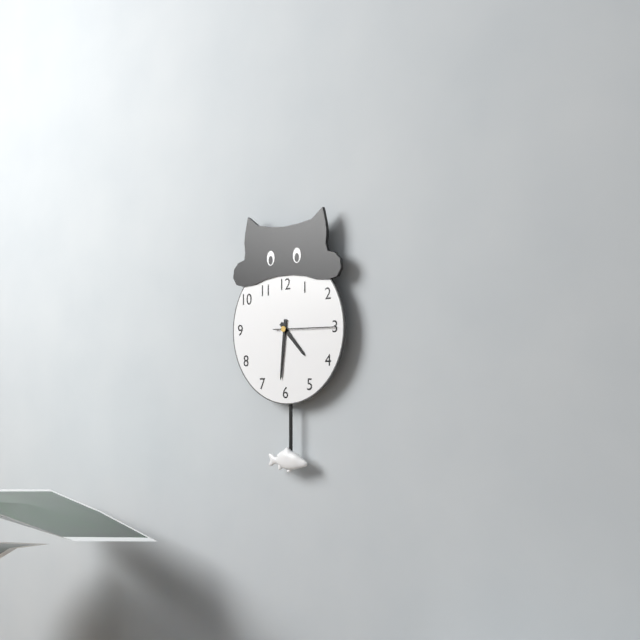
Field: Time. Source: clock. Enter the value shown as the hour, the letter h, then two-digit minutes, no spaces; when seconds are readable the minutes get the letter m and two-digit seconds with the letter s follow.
4h31m15s
